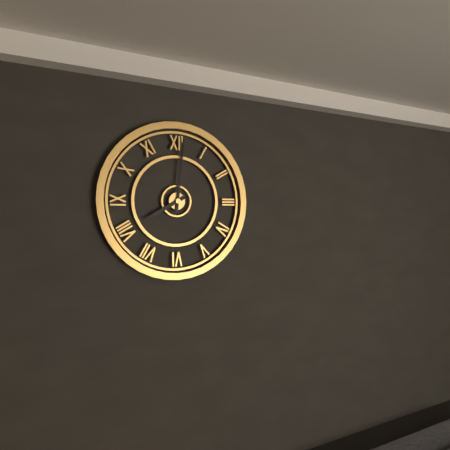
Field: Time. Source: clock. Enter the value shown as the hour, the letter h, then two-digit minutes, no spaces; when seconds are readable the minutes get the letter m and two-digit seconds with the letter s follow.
8h01
